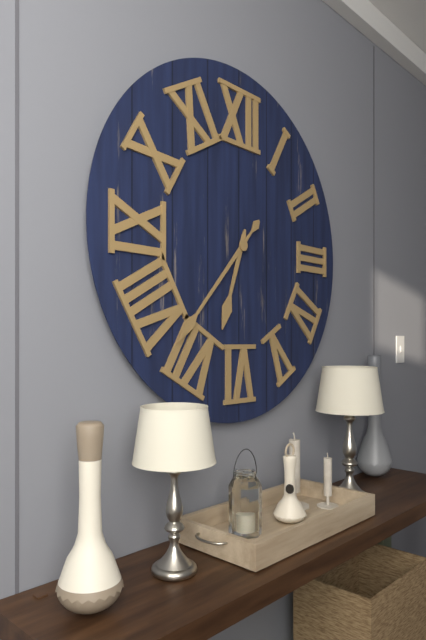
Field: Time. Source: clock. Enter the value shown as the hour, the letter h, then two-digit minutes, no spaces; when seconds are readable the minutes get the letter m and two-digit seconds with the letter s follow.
6h37
